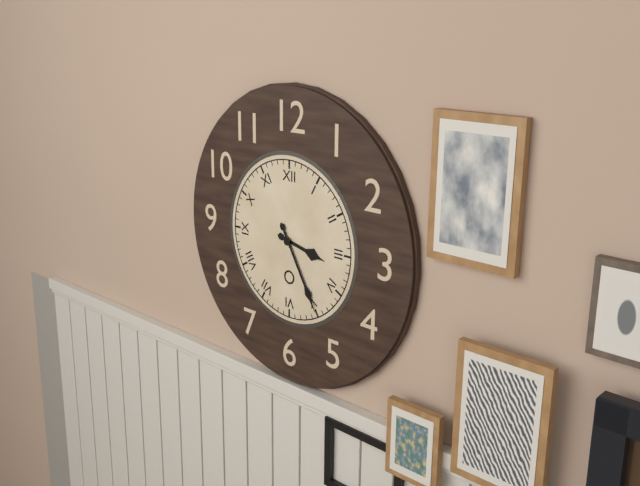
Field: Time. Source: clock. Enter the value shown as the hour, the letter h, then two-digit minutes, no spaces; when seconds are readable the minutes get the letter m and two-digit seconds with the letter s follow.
3h25
